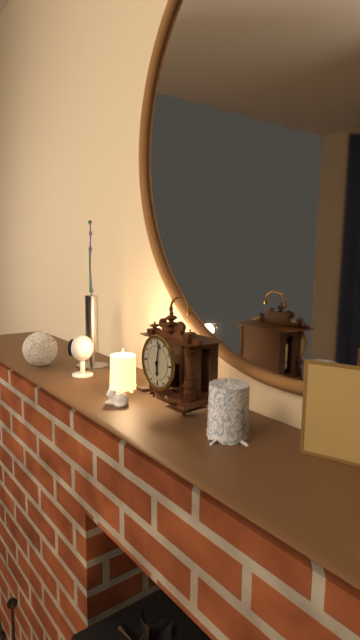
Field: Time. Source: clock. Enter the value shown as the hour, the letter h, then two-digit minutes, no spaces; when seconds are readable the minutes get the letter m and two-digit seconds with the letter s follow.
6h02
